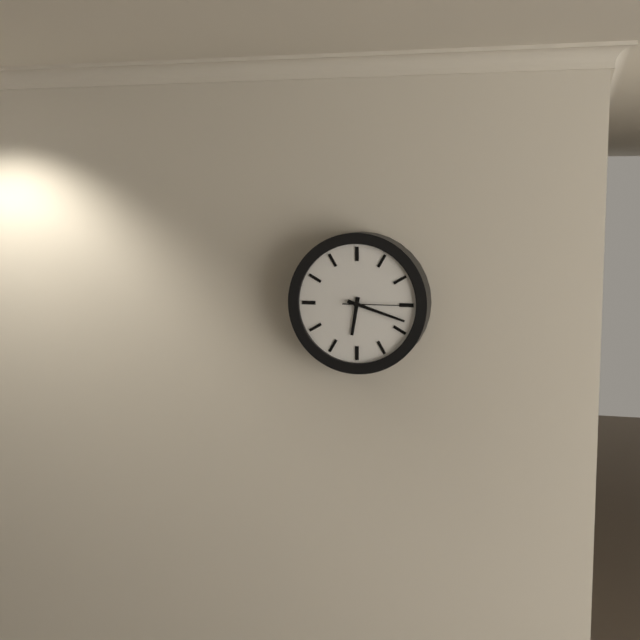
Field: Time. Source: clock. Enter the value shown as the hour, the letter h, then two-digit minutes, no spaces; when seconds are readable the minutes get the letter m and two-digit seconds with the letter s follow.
6h18m15s
